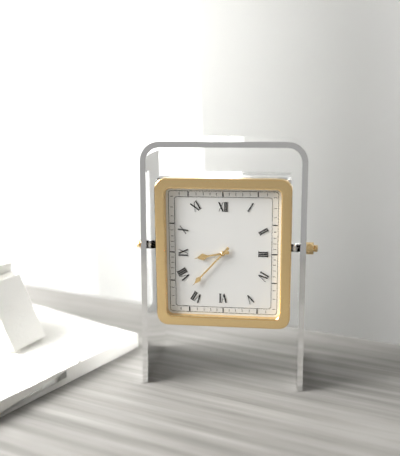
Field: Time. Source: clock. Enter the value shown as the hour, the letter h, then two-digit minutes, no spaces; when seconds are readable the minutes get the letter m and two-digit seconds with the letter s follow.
8h37
